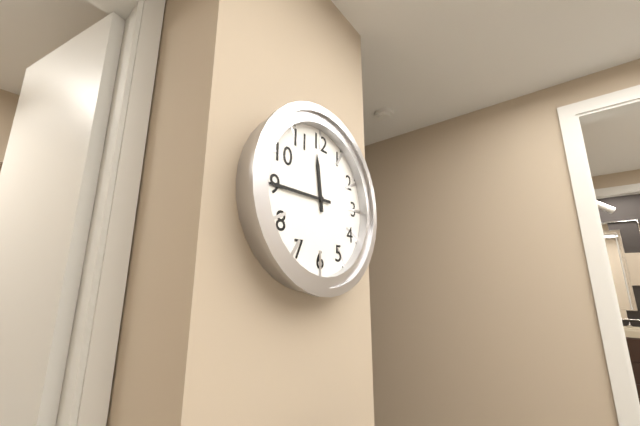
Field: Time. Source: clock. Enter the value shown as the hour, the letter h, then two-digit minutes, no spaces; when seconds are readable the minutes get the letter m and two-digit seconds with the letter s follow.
11h45
